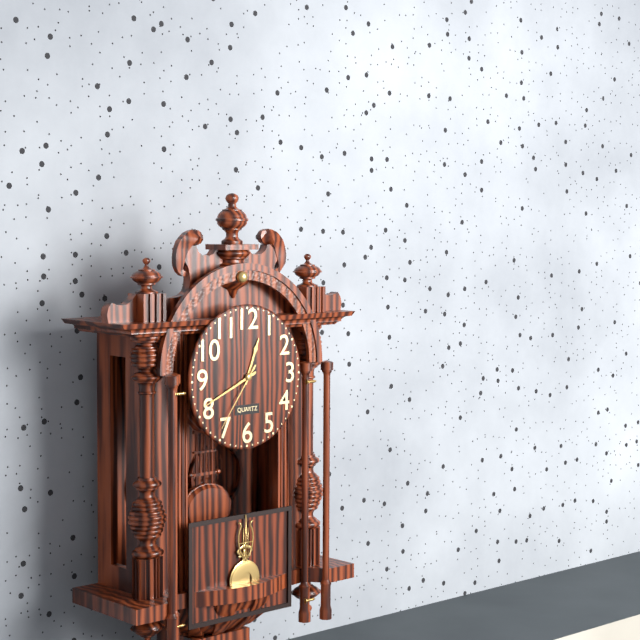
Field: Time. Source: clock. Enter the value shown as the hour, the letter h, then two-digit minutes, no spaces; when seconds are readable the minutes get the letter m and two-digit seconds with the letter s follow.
12h41m36s
